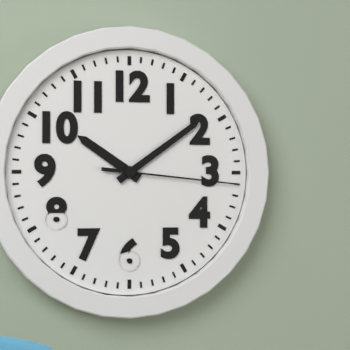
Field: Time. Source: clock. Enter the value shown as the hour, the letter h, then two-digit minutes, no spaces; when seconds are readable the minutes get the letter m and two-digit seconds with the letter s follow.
10h09m16s
